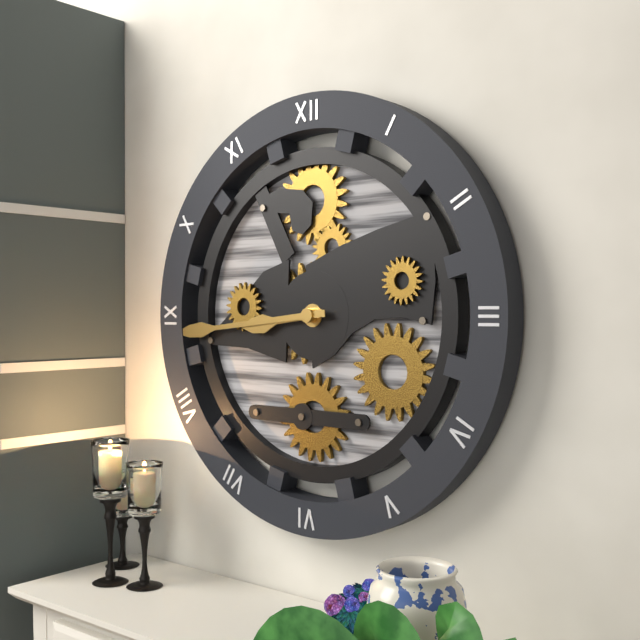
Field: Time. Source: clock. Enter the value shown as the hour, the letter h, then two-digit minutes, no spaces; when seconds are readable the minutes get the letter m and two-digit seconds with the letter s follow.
8h44
